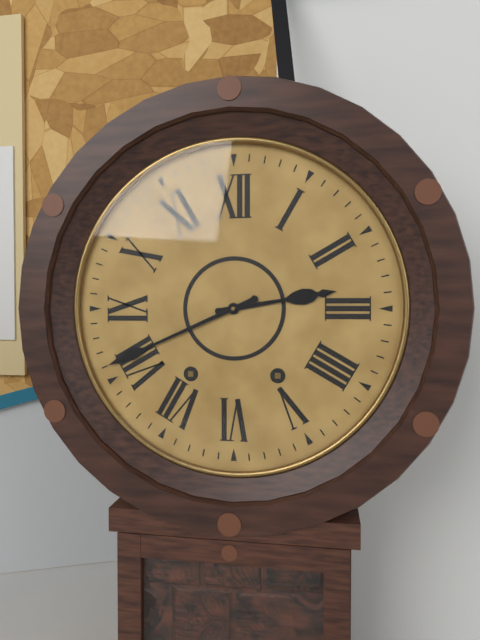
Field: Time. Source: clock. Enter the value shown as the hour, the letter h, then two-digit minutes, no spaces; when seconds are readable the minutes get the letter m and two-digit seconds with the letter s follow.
2h41
